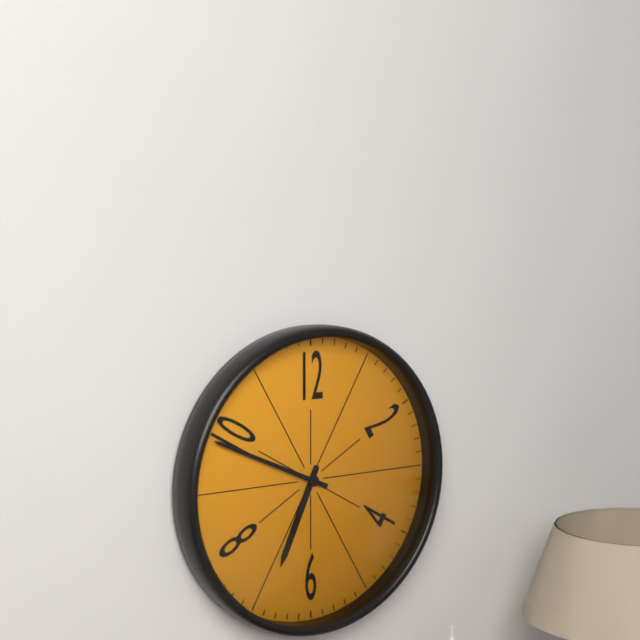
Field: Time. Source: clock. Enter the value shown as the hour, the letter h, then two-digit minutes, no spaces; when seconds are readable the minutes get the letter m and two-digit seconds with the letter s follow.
6h49
